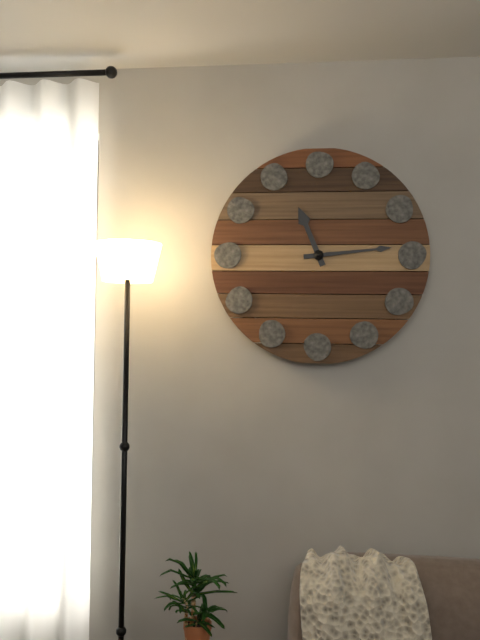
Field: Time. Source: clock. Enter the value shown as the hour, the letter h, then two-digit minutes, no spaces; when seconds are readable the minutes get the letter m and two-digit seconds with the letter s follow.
11h14
